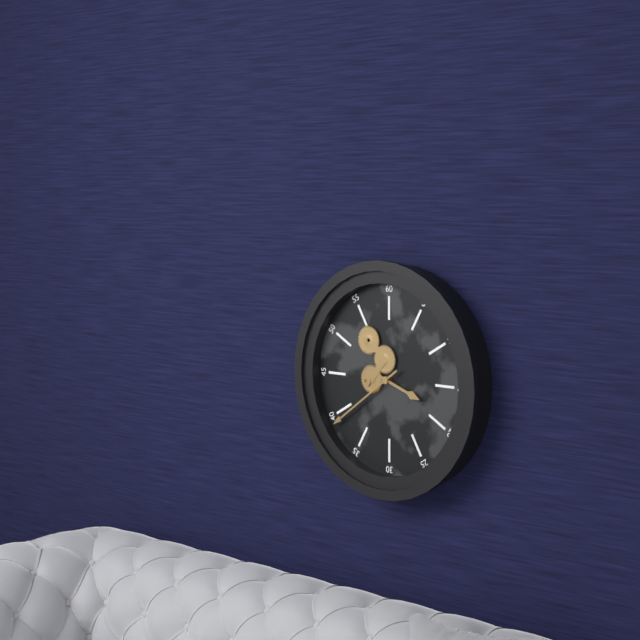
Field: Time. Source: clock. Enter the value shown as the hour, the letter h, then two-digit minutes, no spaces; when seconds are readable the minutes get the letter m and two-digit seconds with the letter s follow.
3h39
